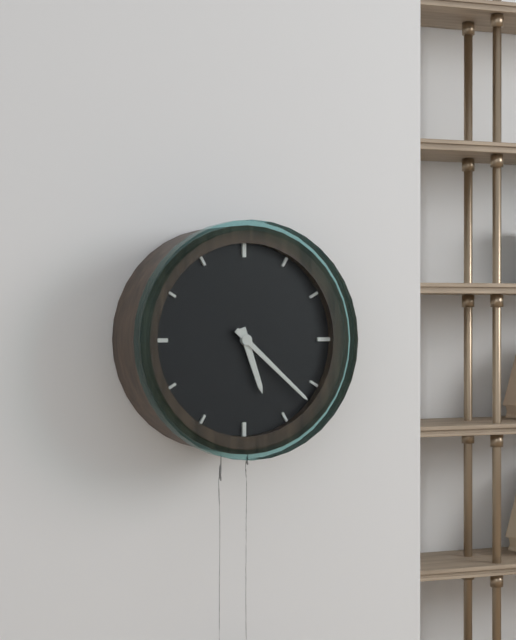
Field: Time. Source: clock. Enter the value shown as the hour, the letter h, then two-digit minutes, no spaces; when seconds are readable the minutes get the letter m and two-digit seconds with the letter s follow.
5h22
